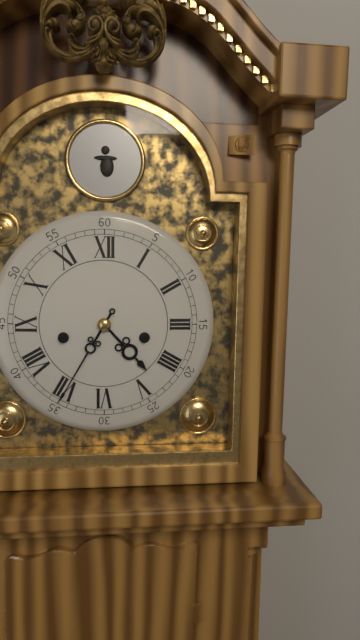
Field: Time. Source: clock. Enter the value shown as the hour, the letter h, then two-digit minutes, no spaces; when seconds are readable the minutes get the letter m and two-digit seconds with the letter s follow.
4h35
